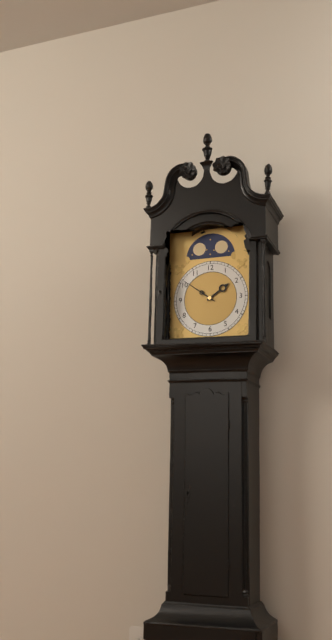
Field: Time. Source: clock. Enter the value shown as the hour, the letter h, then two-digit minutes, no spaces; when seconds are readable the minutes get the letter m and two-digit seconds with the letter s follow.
1h51
